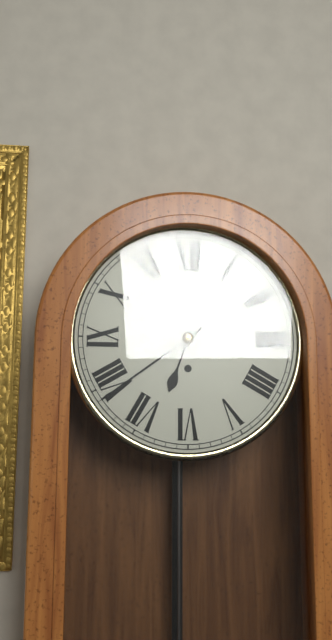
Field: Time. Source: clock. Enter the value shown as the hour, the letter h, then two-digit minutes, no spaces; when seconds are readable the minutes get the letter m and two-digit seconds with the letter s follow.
6h39
